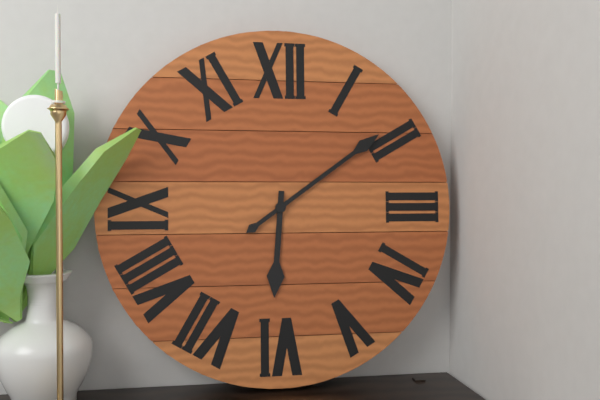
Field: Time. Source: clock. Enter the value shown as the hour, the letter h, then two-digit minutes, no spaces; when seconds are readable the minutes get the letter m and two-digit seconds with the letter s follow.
6h09
